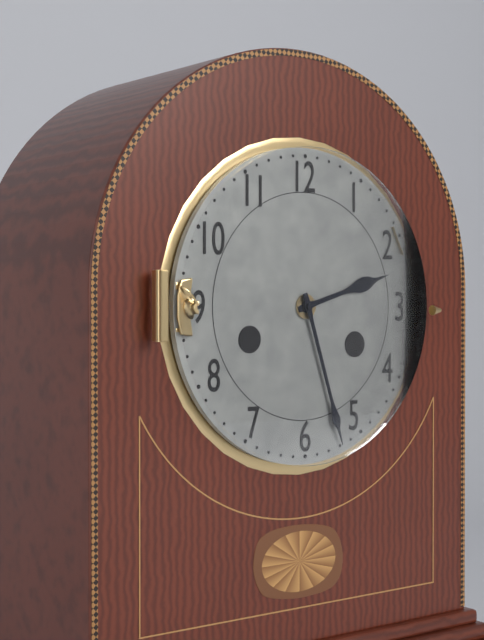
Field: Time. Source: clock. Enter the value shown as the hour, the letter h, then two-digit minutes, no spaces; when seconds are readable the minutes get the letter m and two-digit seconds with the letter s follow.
2h27
